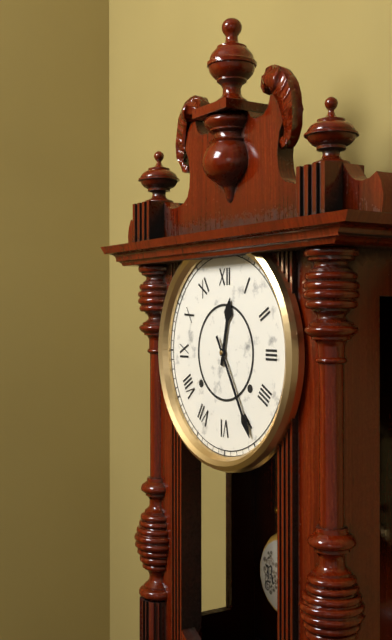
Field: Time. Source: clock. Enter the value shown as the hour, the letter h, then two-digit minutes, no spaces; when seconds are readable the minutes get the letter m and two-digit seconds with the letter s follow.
12h25
